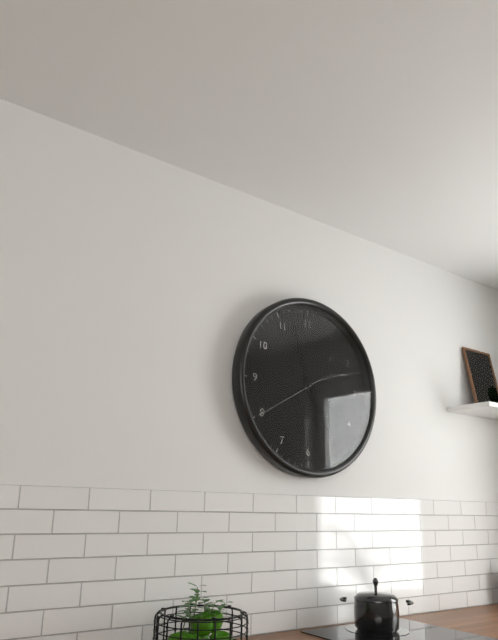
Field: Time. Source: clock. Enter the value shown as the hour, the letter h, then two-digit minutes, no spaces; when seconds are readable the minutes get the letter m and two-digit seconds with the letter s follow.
4h57m40s
